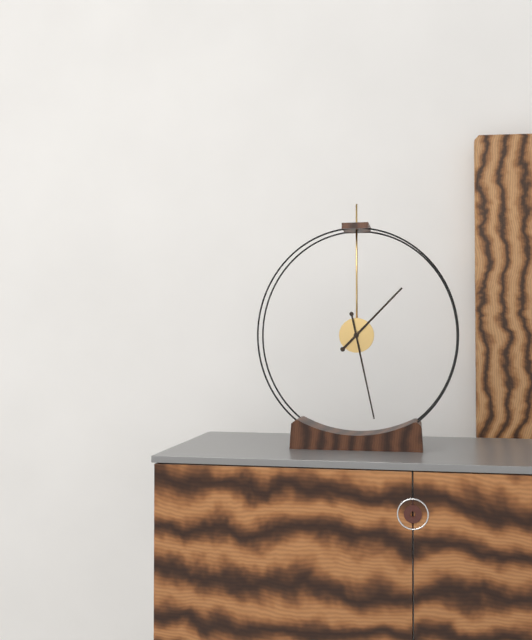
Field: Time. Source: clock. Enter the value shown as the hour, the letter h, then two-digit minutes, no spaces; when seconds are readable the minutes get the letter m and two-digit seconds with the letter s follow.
1h28
